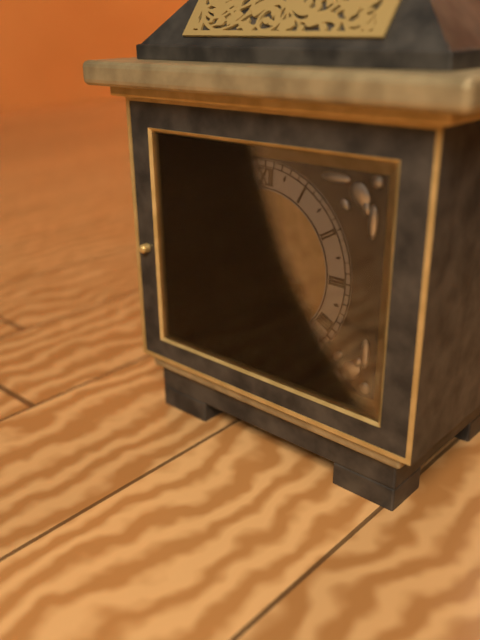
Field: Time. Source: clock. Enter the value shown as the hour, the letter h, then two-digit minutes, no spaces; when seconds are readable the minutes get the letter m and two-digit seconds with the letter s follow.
3h45
